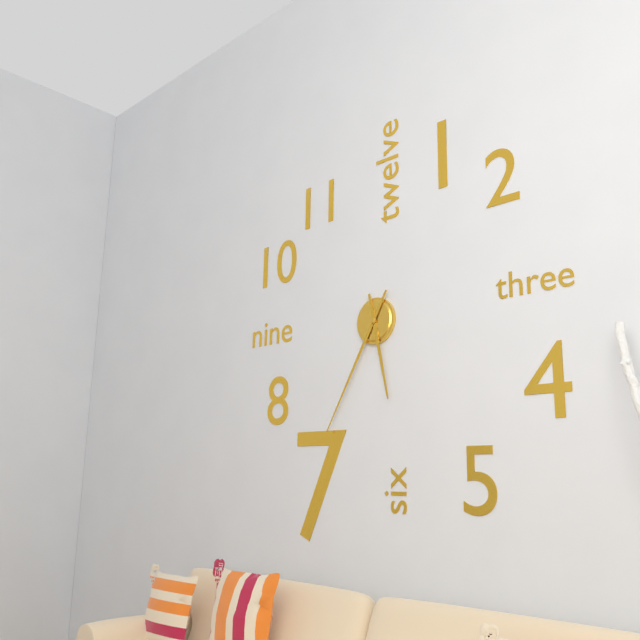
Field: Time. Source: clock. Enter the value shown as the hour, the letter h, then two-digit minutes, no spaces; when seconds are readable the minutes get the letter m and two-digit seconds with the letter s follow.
5h35
